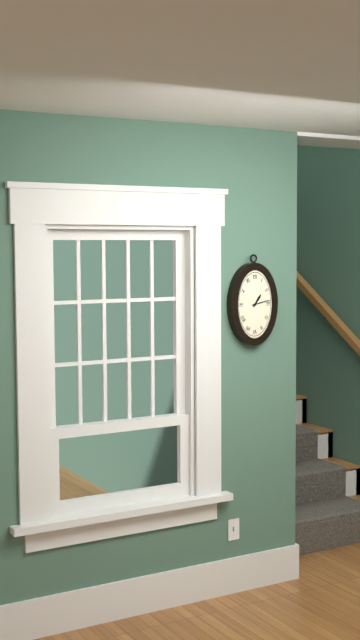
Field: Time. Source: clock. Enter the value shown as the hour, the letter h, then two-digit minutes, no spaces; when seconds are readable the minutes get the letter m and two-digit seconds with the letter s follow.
1h13
